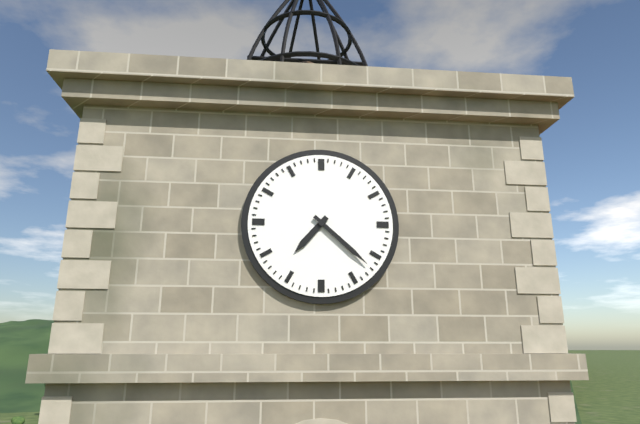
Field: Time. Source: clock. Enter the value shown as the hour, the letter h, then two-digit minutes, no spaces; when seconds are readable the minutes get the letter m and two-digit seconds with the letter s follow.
7h22
